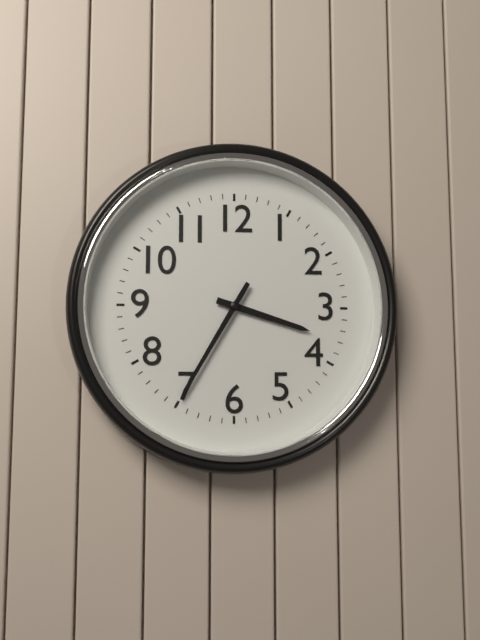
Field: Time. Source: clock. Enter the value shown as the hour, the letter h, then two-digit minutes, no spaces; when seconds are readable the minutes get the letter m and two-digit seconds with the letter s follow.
3h35
